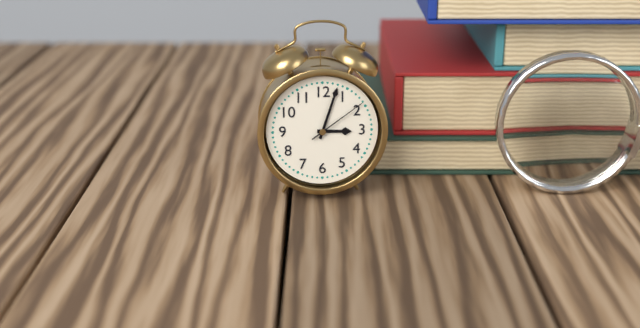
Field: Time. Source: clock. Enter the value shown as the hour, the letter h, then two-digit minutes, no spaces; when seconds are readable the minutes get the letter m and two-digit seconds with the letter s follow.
3h03m09s
